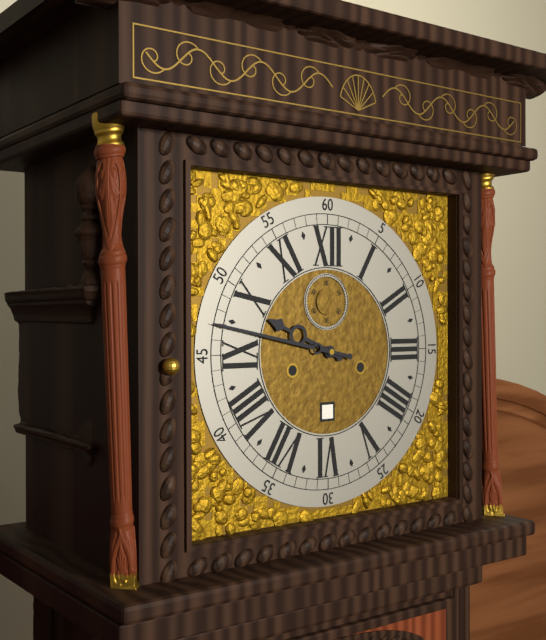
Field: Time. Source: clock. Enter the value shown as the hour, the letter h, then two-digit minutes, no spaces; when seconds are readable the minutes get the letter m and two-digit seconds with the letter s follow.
9h47
